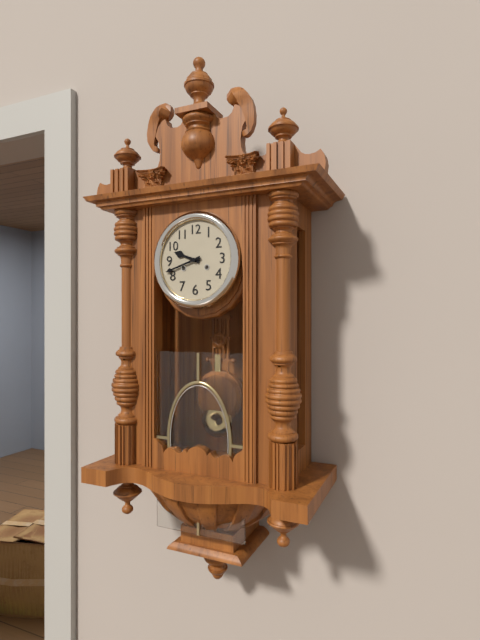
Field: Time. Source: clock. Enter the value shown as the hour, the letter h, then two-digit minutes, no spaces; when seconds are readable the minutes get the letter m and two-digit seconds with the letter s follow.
9h42
